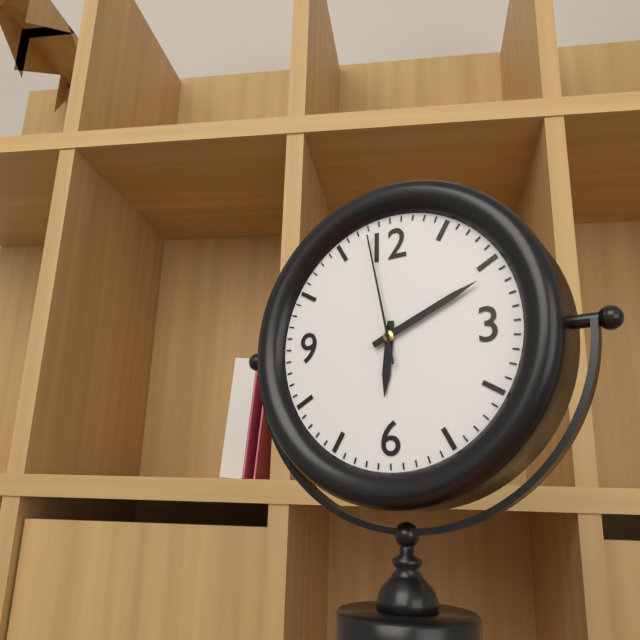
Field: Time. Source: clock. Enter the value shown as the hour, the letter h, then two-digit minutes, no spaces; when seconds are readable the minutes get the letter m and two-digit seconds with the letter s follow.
6h11m58s
